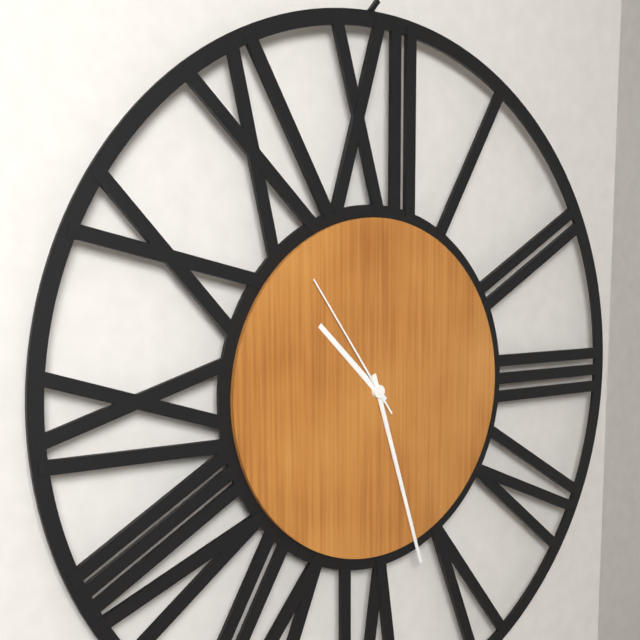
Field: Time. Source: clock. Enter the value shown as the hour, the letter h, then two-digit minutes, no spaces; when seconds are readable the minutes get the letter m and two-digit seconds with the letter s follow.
10h27m54s
